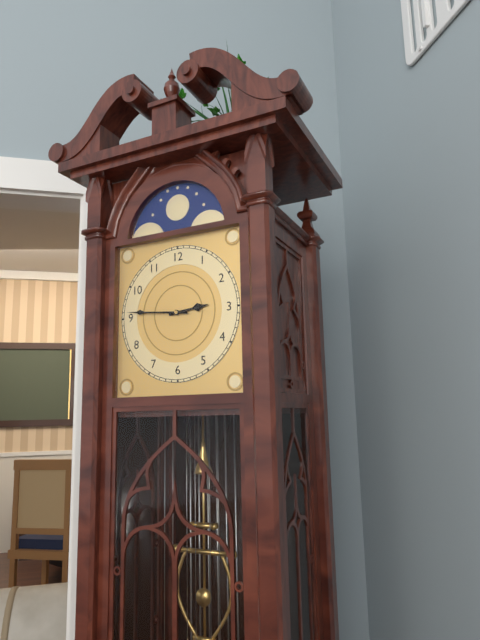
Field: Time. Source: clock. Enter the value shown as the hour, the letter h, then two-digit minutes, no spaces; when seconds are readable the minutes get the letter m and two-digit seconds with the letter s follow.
2h46
